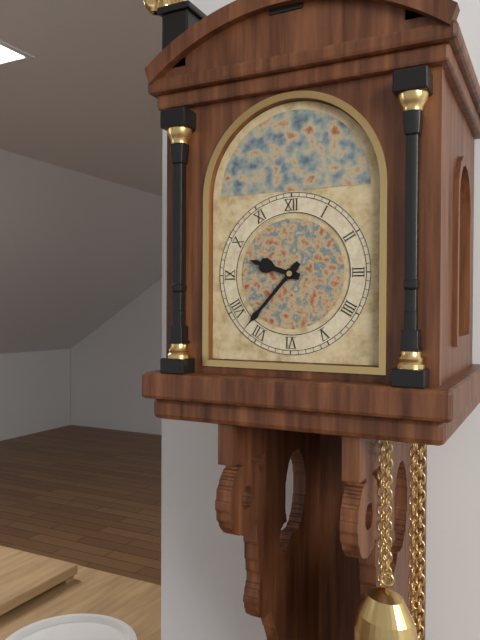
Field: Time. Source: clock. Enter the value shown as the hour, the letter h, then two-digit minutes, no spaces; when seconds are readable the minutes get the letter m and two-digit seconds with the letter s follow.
9h37
